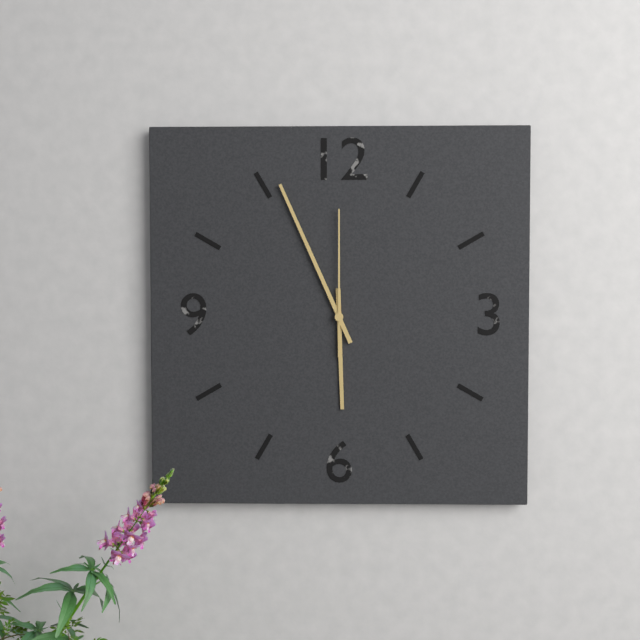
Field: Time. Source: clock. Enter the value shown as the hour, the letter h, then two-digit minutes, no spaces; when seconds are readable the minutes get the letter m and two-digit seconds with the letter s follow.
5h56m00s
